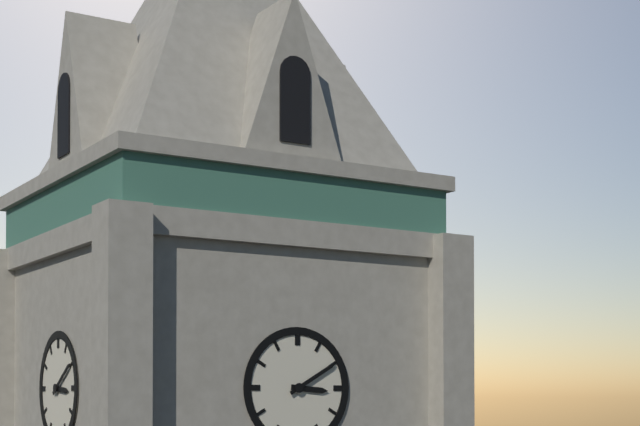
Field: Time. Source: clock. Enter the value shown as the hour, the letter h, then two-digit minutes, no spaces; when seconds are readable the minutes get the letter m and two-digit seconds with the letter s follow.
3h10
